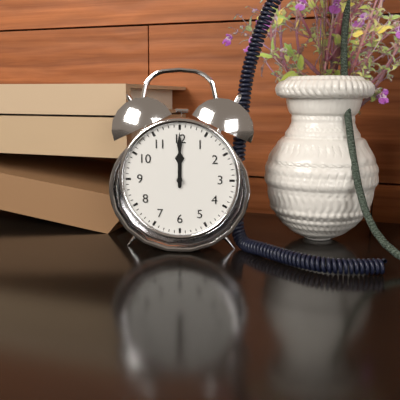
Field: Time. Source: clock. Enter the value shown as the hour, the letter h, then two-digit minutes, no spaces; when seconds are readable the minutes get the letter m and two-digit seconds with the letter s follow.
12h00
